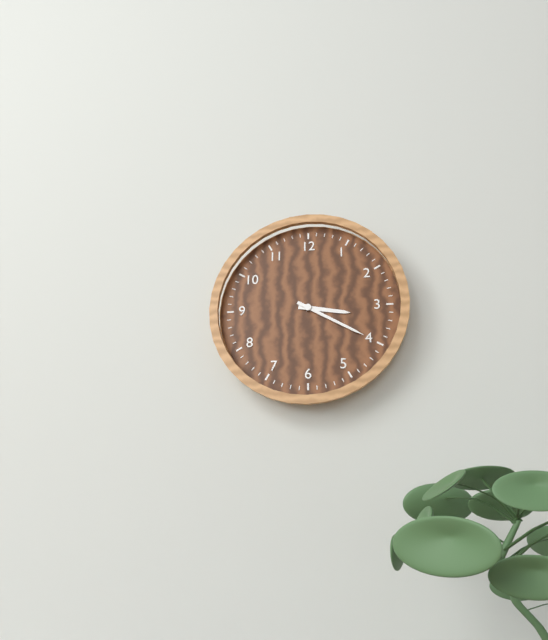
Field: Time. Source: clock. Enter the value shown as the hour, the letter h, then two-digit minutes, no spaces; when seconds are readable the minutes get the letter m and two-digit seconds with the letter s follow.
3h20
